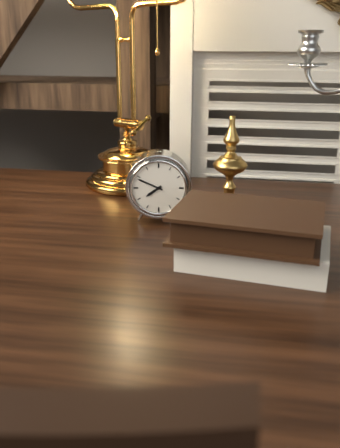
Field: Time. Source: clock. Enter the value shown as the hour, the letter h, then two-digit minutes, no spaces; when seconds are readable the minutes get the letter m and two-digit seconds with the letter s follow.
7h49
